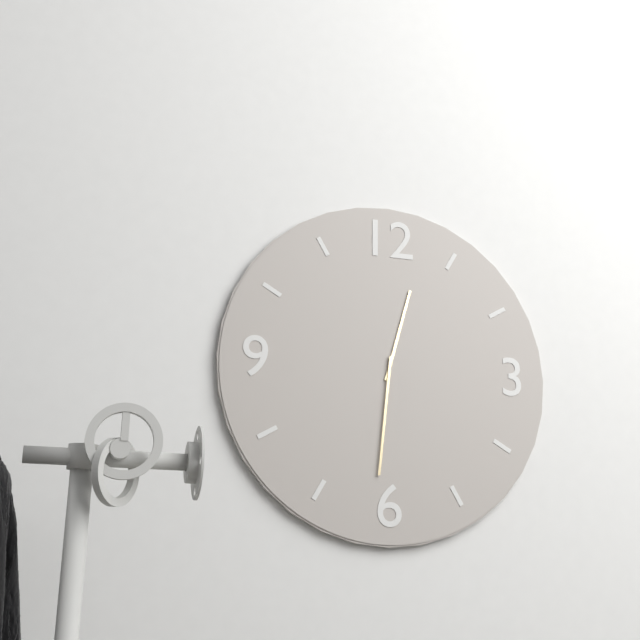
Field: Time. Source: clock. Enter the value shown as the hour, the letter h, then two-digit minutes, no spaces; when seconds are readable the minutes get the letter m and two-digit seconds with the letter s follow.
12h31
